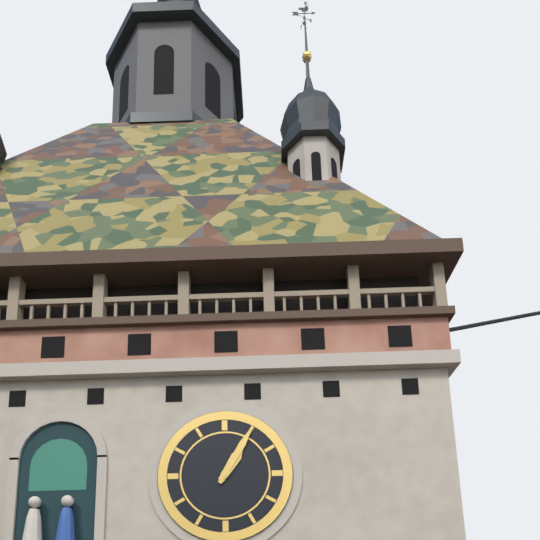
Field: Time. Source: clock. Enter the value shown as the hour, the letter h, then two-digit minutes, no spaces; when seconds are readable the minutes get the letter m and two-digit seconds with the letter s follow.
1h05
